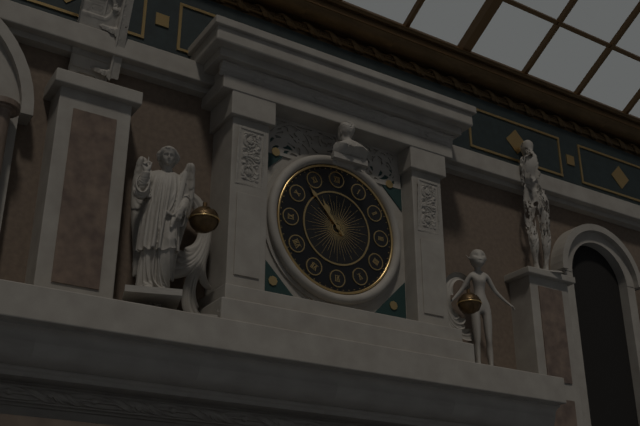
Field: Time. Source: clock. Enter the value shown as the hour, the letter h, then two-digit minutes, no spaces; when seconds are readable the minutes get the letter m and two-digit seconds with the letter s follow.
10h53
